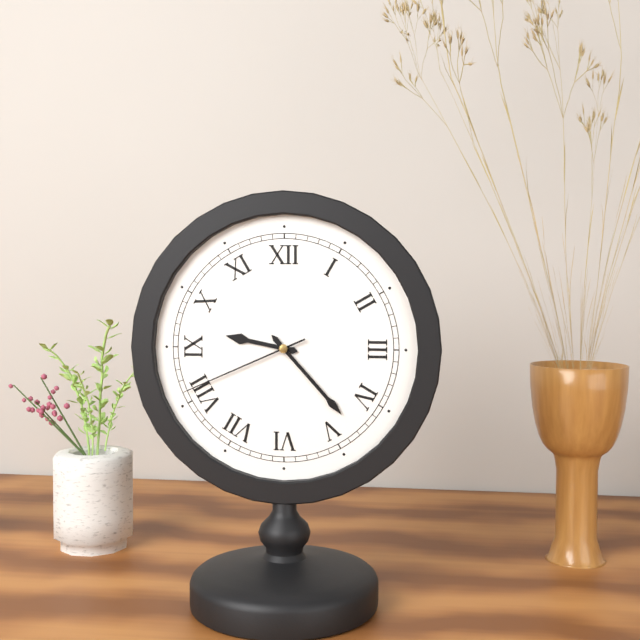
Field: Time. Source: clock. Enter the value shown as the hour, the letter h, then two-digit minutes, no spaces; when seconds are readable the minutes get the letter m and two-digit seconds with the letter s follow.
9h23m41s
